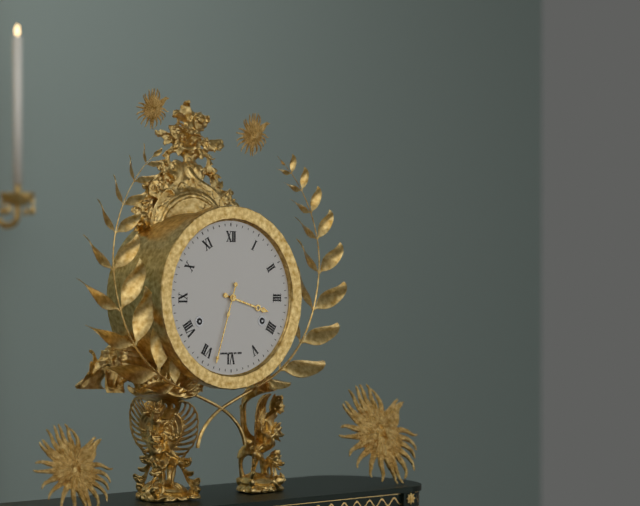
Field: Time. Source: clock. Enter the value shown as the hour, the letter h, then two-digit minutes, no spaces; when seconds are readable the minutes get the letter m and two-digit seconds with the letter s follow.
3h33
